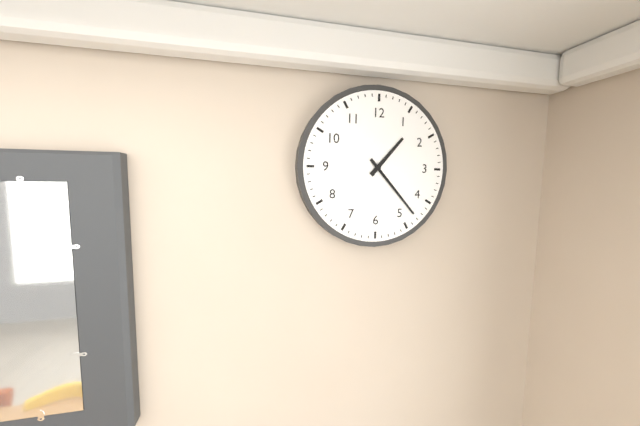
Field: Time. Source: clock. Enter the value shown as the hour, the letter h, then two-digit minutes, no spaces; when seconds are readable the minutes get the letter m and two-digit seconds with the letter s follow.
1h23
